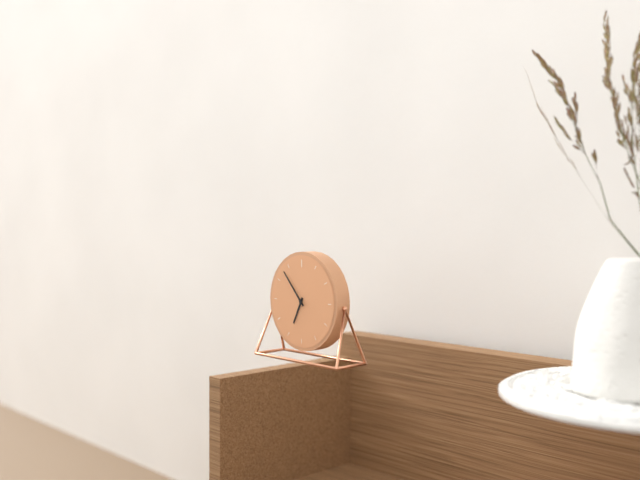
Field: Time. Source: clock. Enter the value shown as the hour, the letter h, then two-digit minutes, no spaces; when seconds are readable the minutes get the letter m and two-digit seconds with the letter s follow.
6h53
